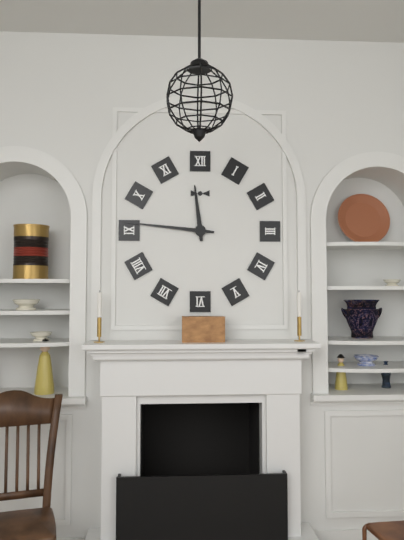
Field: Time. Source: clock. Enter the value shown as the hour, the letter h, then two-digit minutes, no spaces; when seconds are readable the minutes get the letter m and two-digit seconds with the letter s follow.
11h46
